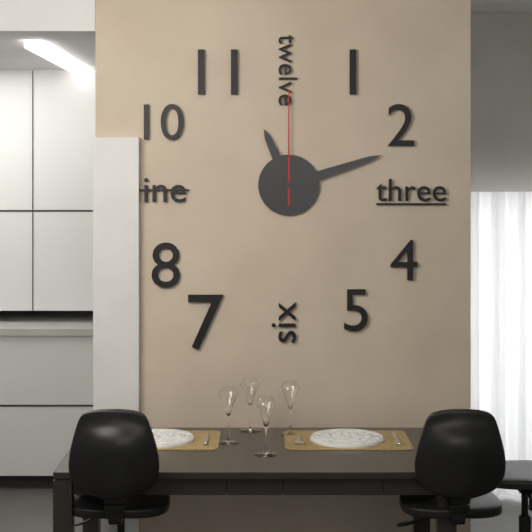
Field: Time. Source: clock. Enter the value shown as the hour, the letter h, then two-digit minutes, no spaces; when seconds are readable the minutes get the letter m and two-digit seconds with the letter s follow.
11h12m00s
